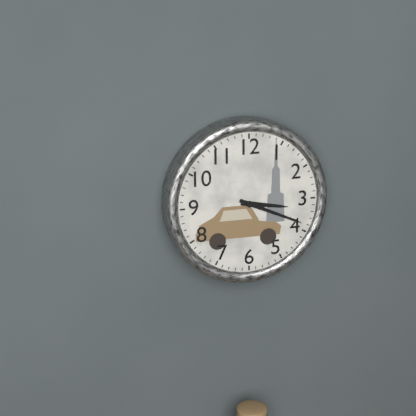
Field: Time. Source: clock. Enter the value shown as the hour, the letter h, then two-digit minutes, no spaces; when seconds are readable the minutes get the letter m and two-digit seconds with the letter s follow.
3h19
